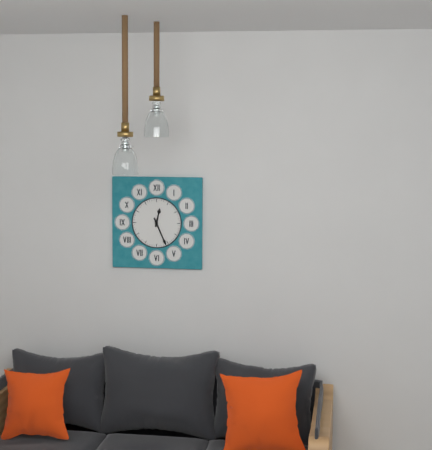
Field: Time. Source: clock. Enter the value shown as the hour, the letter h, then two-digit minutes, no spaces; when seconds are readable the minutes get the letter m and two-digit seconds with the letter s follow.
12h26
